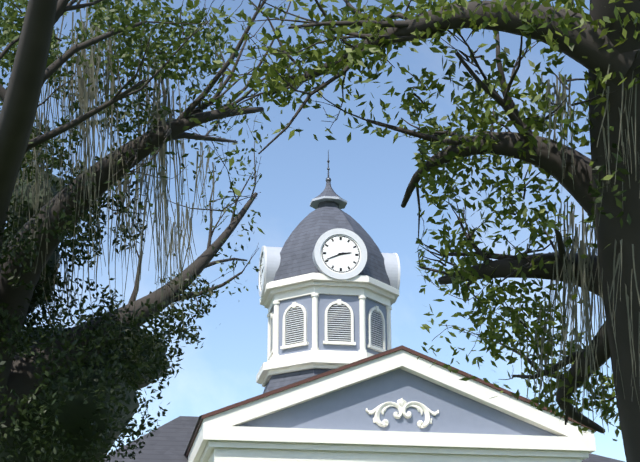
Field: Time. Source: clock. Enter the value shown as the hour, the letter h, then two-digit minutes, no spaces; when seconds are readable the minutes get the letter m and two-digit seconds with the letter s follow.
2h41
